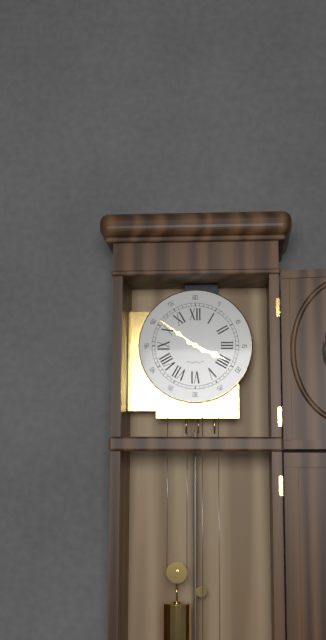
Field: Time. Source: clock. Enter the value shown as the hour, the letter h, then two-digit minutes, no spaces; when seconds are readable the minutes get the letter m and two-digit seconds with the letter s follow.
3h51
